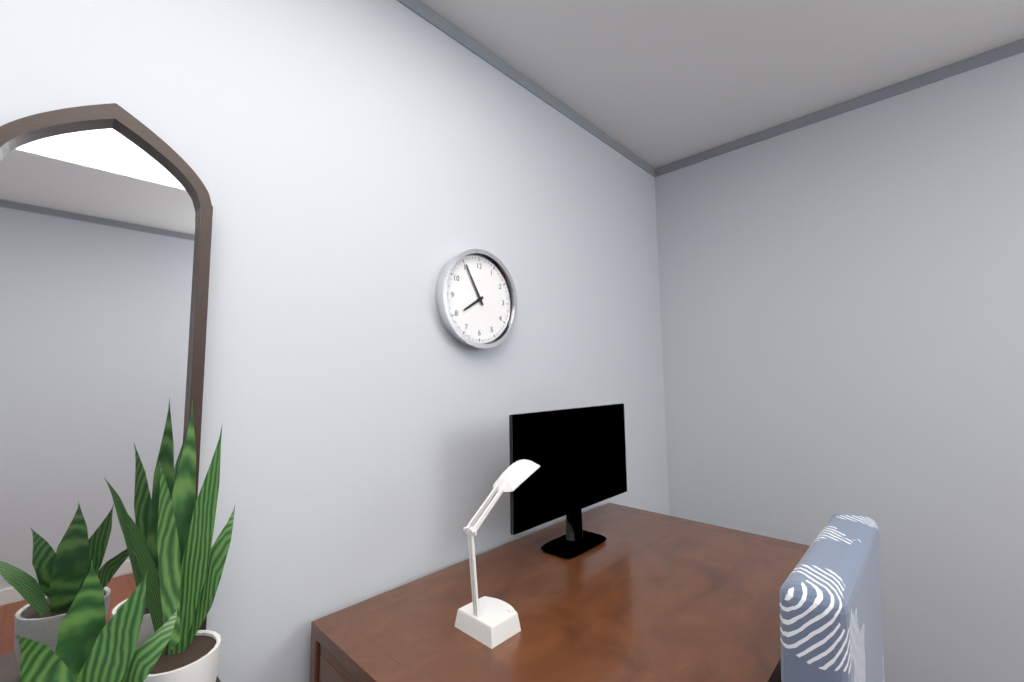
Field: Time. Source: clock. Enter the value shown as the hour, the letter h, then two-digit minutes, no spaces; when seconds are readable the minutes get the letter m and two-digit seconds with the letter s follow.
7h55
